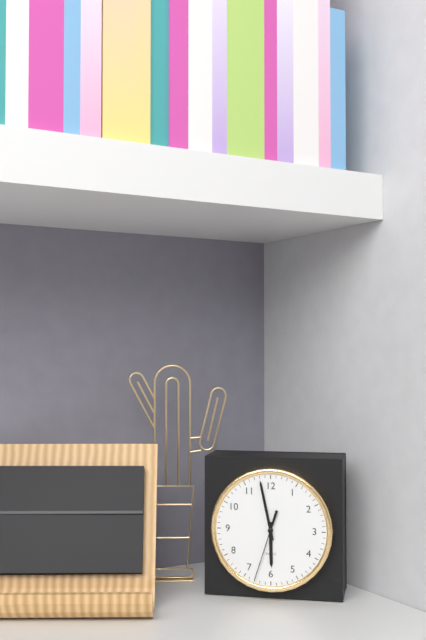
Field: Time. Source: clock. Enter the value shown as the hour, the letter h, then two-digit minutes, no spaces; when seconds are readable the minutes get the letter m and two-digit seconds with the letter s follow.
5h58m33s
